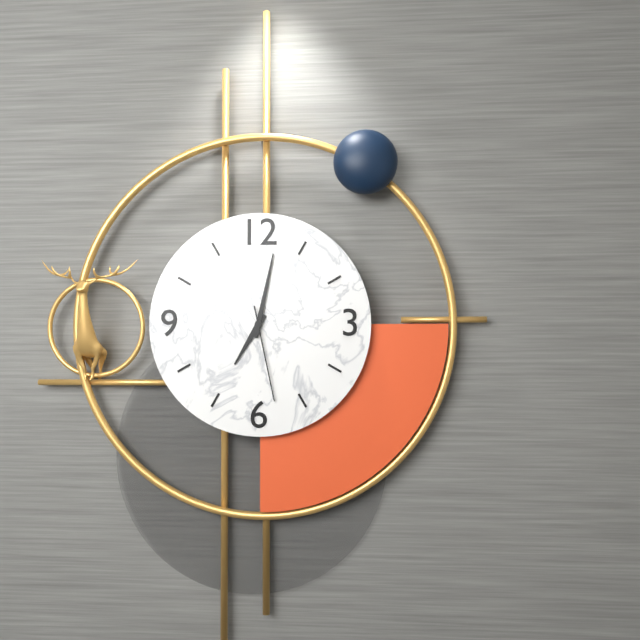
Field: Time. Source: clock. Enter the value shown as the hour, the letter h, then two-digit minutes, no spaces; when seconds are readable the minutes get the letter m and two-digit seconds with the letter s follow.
7h02m28s
